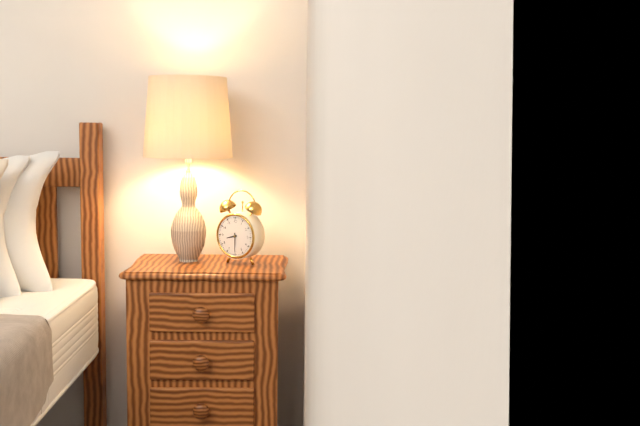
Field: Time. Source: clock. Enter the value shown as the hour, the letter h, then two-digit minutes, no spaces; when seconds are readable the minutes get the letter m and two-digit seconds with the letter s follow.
8h30
